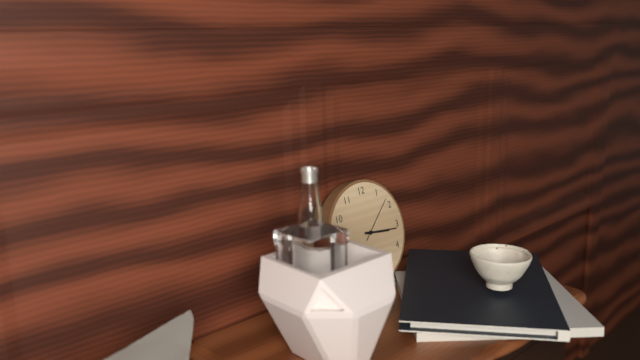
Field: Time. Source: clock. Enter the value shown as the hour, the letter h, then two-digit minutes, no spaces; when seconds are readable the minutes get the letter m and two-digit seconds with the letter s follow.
3h16
